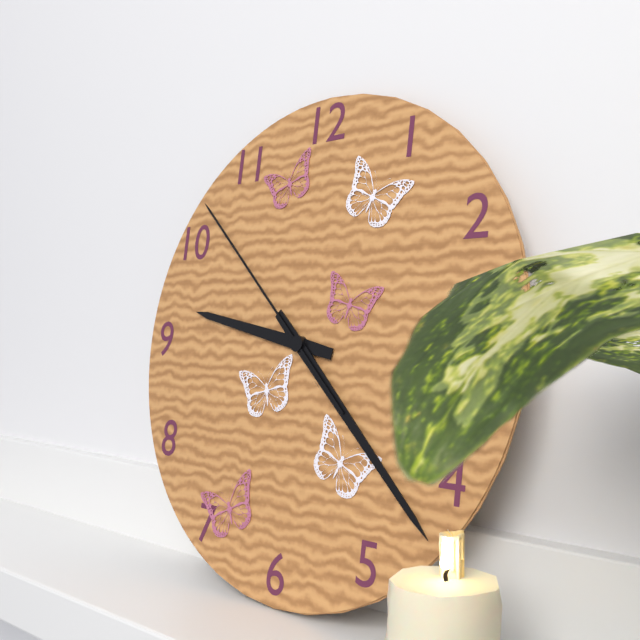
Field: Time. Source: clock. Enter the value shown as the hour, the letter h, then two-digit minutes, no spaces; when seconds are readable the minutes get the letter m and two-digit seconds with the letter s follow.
9h22m52s
